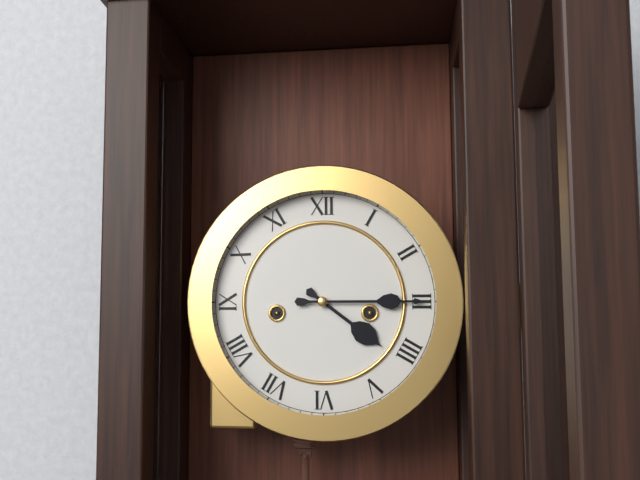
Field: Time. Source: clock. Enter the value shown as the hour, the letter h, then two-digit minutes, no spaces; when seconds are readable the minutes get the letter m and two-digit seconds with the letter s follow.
4h15
